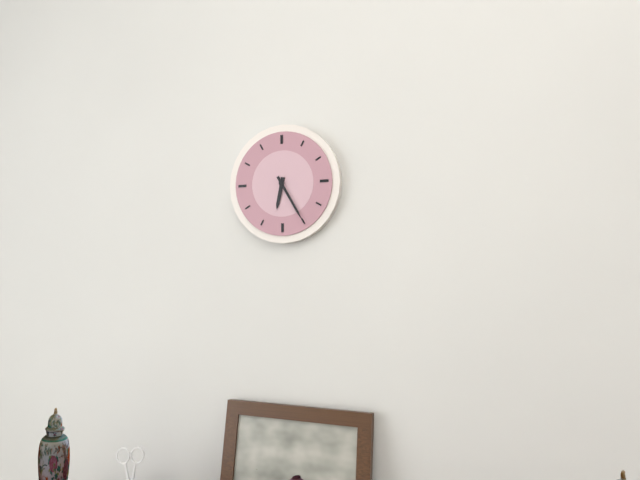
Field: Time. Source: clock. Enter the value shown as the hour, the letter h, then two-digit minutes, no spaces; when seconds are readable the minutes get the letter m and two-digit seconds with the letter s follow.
6h25
